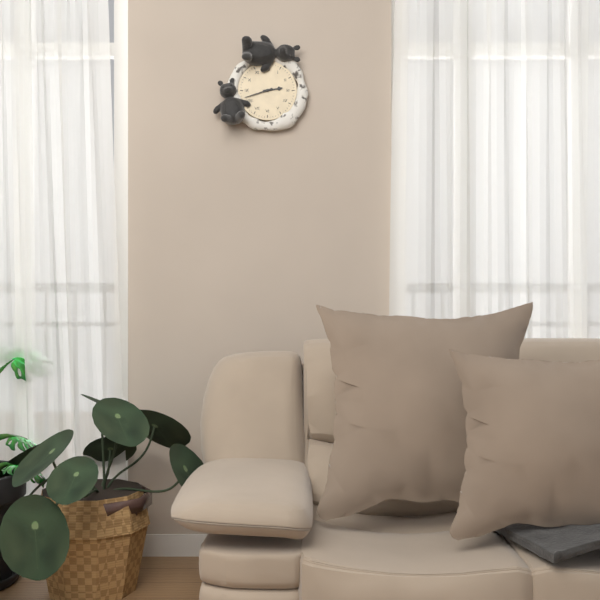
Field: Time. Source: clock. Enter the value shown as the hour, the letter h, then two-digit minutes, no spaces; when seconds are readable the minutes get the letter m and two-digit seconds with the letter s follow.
2h42
